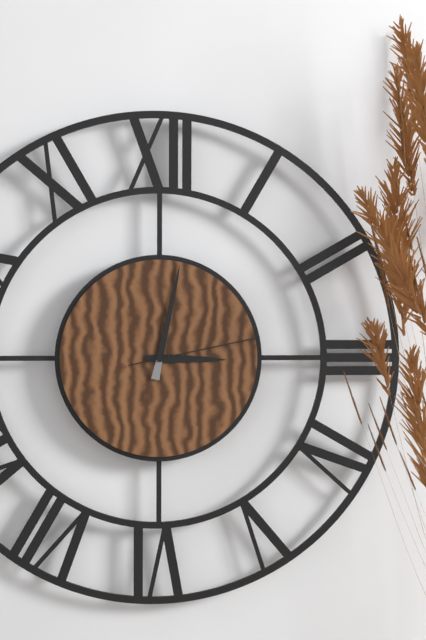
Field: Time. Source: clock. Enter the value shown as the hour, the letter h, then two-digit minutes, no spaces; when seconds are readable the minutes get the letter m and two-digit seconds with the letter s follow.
3h02m13s
